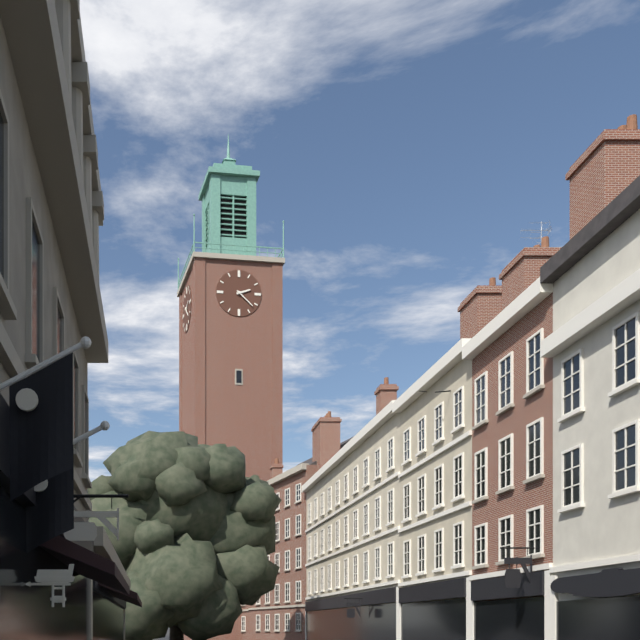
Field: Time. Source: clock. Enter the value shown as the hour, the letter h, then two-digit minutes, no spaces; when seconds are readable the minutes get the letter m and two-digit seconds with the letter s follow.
2h22
